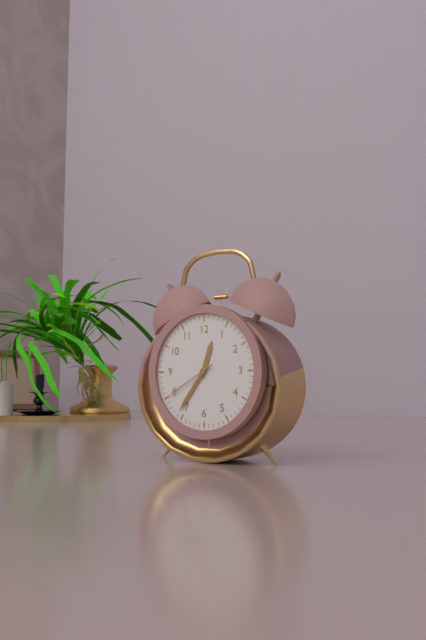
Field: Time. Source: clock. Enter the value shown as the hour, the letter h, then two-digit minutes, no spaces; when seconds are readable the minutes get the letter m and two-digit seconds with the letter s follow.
12h36m40s
